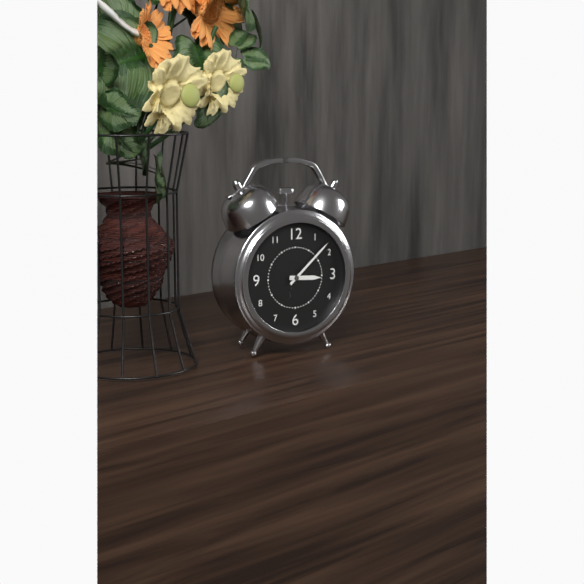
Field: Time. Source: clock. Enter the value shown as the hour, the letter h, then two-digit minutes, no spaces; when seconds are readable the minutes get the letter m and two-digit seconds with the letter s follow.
3h08
